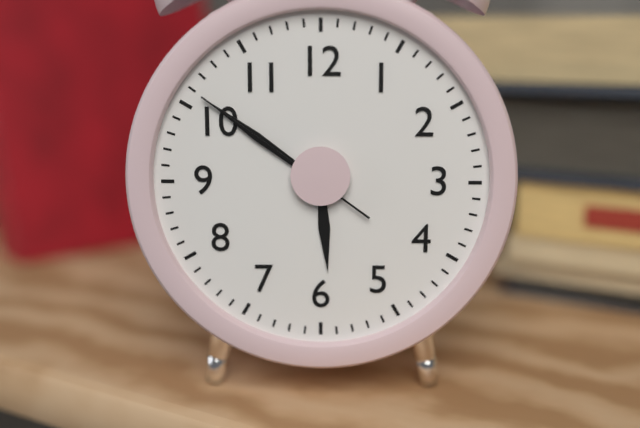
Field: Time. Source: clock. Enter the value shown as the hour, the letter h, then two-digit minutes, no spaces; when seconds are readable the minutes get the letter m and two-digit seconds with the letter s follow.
5h51m51s
